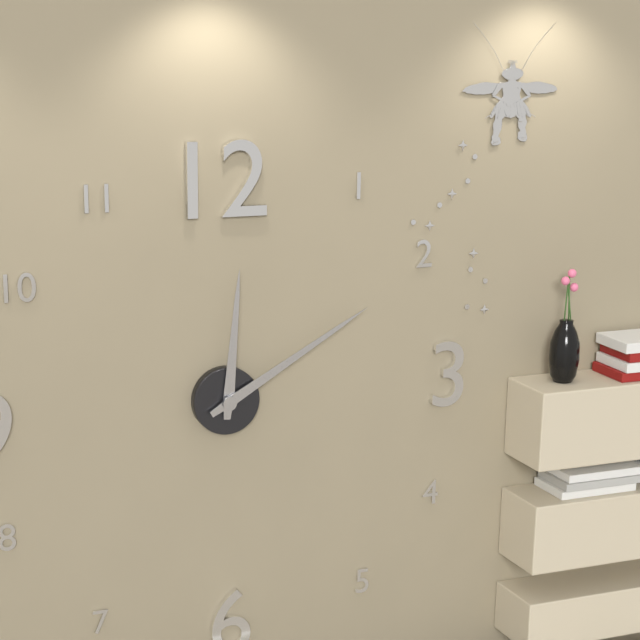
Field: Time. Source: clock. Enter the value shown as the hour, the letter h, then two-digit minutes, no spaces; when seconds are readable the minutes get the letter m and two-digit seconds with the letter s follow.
12h10
